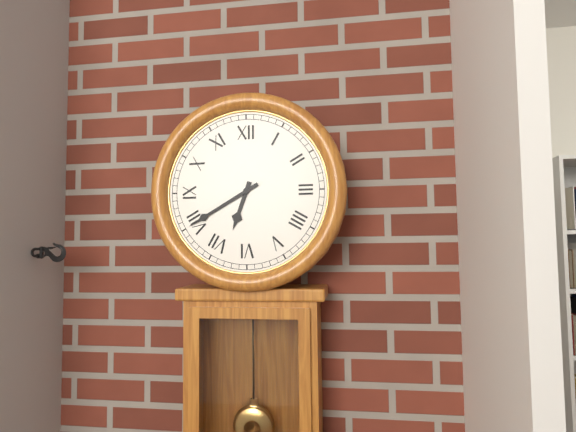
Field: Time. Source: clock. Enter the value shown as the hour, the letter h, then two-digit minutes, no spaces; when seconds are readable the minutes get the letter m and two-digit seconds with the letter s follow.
6h40
